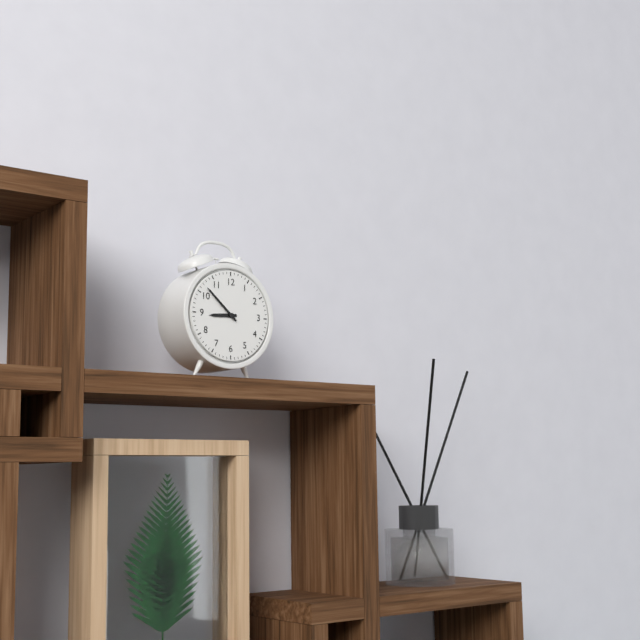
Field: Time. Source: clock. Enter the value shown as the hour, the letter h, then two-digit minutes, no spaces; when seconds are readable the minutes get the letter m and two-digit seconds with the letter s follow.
8h52
